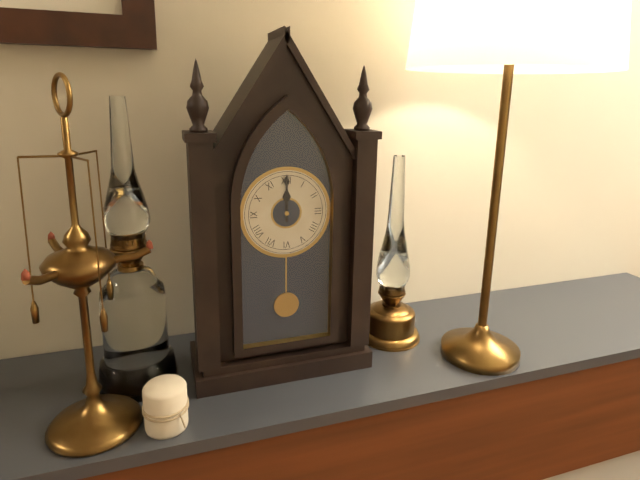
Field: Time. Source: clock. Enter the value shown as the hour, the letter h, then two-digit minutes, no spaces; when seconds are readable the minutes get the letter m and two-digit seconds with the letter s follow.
12h00
